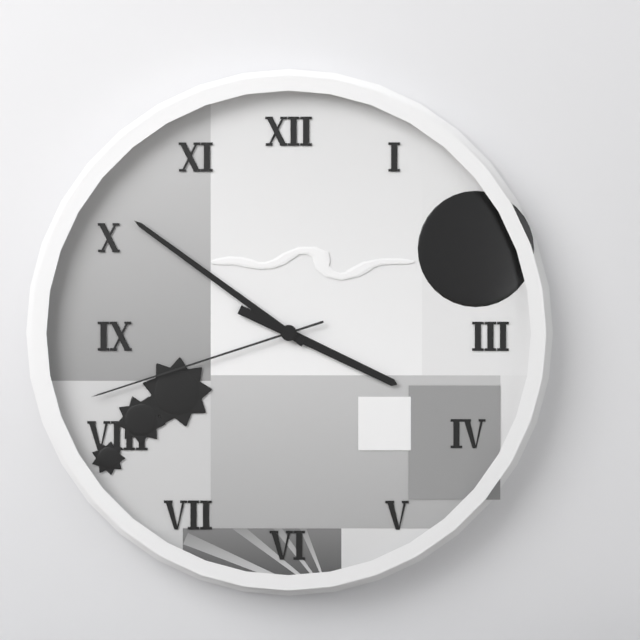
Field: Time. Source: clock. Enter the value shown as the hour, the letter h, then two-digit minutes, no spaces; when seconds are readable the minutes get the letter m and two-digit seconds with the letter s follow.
3h51m42s
